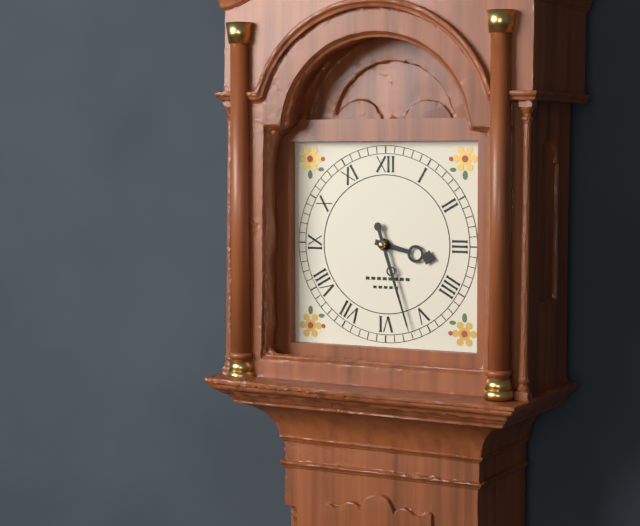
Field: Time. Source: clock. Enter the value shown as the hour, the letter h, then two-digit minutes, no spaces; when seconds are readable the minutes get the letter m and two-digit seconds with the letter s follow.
3h27
